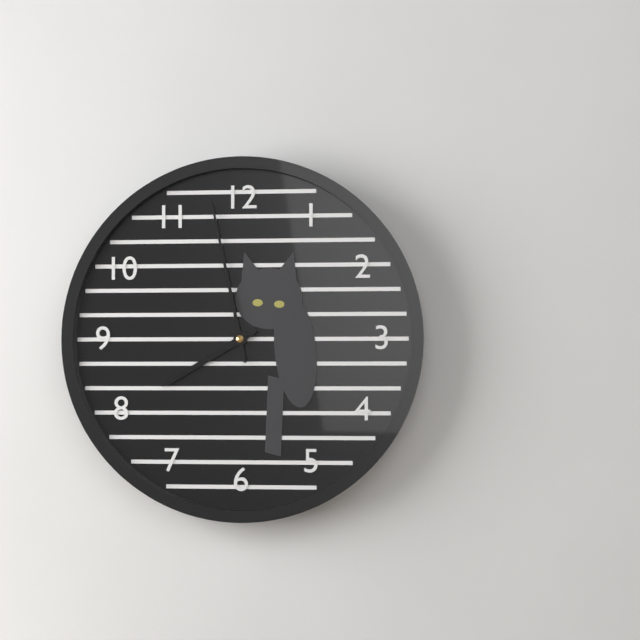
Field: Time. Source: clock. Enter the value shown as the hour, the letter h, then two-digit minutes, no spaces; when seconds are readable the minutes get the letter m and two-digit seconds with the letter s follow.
7h58
